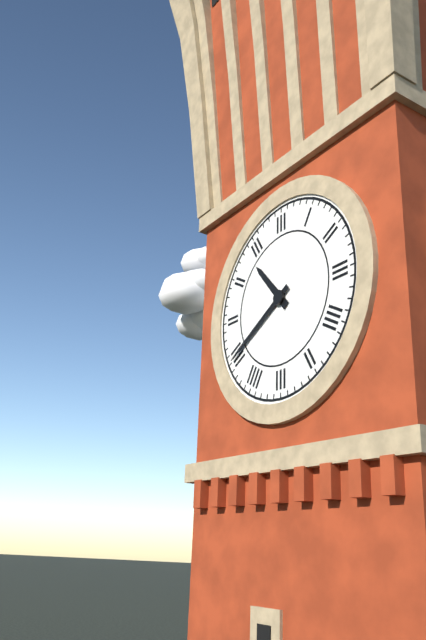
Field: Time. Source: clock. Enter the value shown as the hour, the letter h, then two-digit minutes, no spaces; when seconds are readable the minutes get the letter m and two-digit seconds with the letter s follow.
10h40
